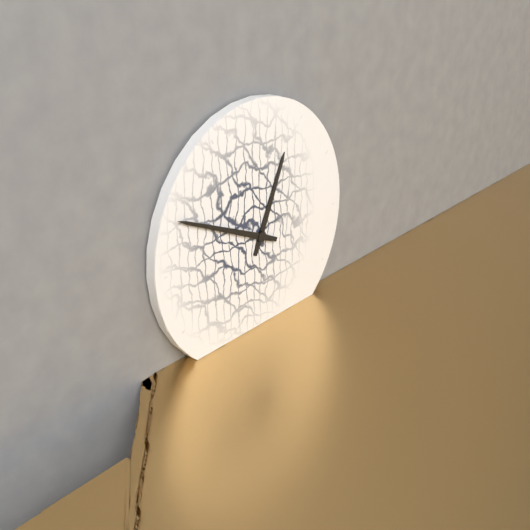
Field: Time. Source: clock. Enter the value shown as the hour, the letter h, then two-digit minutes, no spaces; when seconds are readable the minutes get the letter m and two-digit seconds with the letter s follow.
12h49
